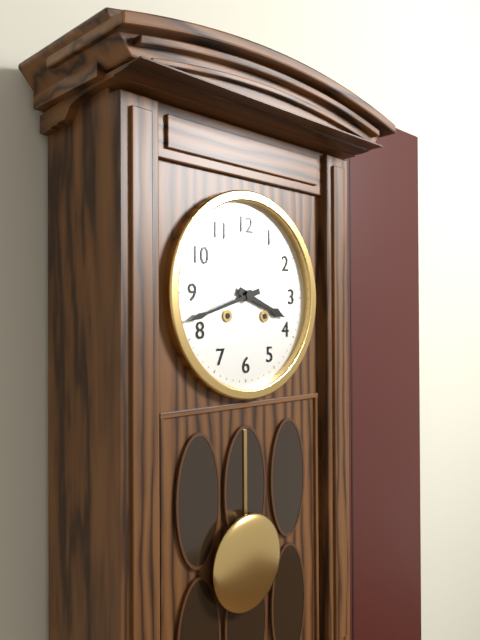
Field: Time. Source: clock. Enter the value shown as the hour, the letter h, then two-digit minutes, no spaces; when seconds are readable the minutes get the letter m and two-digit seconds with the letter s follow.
3h42
